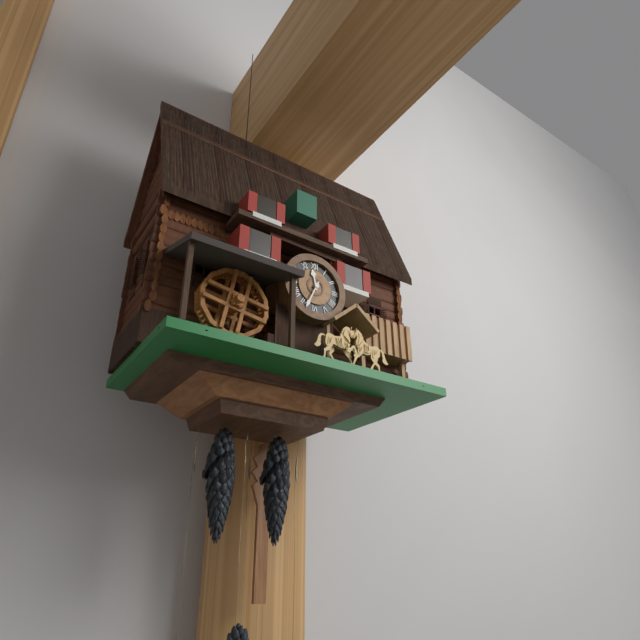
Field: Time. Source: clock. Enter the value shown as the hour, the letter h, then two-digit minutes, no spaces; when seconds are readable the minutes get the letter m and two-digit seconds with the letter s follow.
11h34
